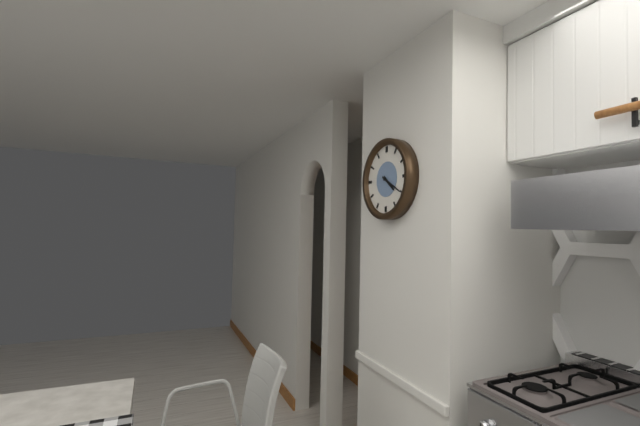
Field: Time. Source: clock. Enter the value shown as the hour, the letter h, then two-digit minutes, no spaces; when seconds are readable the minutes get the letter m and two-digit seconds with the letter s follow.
4h20
